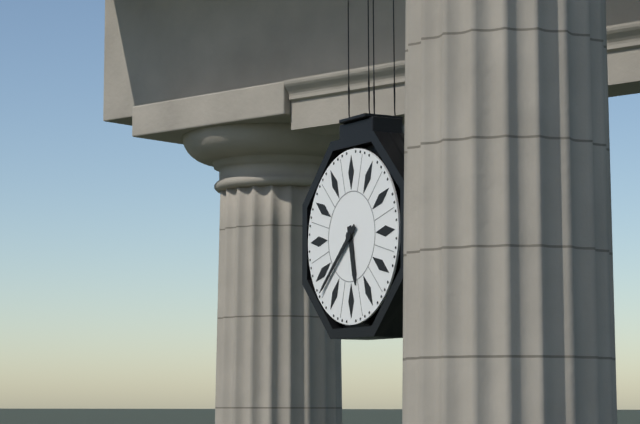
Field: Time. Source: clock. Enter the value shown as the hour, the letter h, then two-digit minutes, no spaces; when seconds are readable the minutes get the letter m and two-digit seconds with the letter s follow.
5h38
